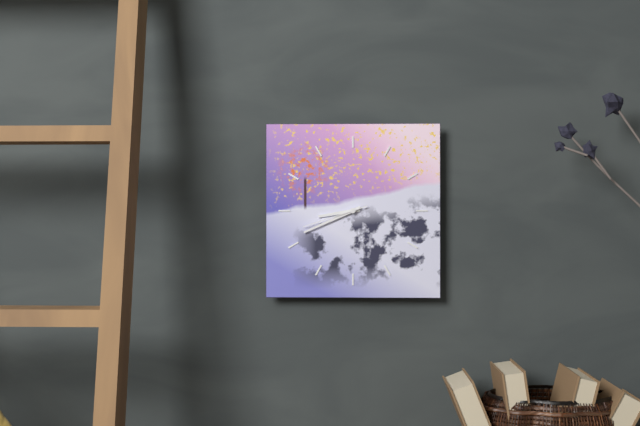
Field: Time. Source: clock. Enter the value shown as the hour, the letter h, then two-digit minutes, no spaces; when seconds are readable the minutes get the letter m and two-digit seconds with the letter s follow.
8h41m42s
